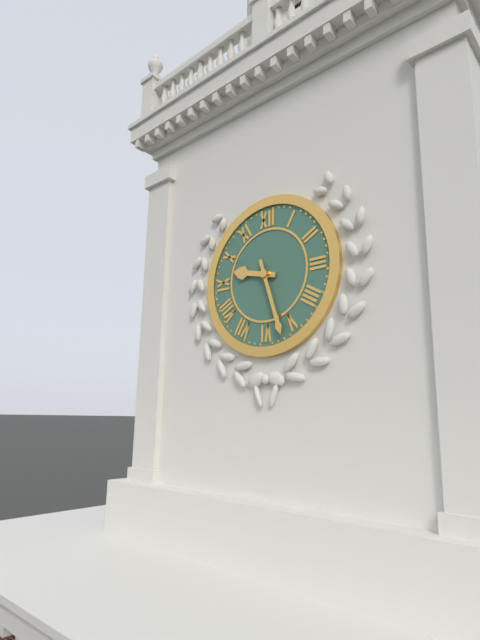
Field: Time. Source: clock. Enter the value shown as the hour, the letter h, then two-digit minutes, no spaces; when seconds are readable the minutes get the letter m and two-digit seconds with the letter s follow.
9h27
